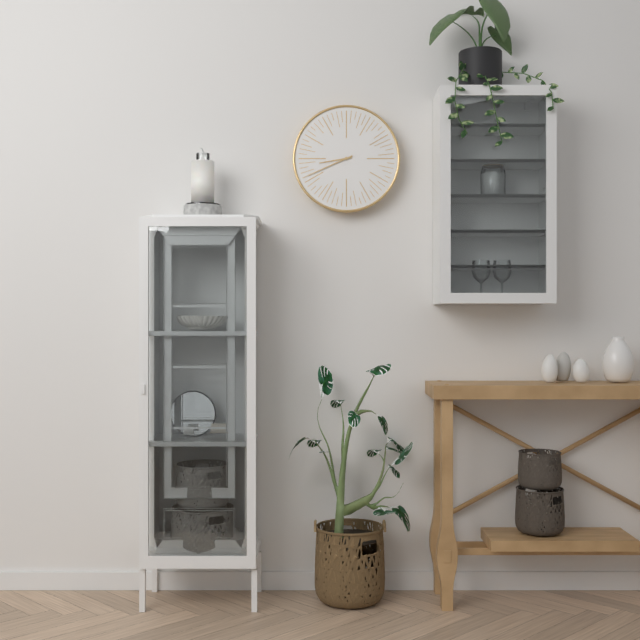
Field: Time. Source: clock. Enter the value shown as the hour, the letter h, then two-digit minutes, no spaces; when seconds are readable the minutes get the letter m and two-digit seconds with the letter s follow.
8h41
